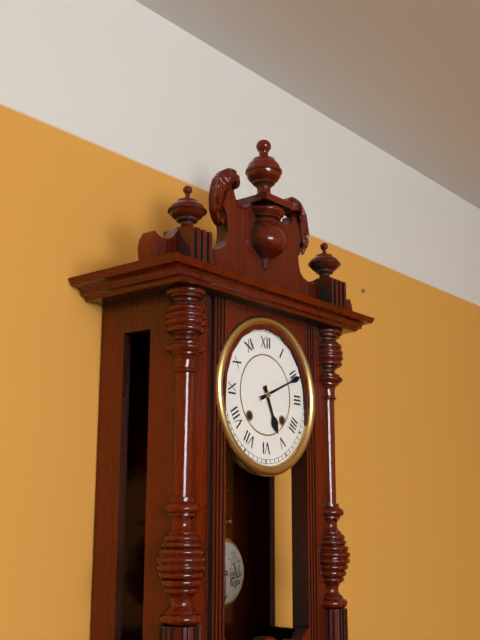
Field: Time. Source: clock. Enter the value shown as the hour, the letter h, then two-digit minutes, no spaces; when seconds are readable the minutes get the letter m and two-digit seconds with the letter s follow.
5h11
